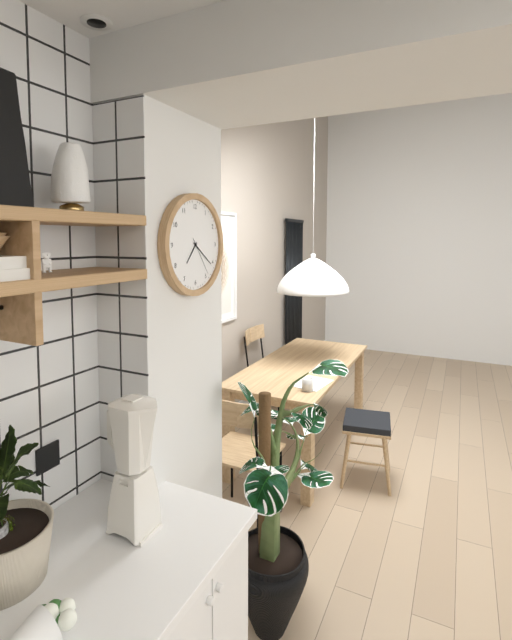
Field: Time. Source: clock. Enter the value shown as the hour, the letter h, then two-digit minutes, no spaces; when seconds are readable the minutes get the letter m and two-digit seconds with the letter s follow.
7h21
